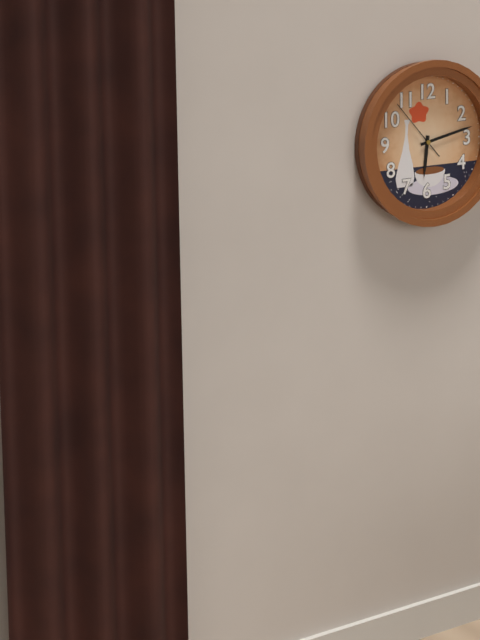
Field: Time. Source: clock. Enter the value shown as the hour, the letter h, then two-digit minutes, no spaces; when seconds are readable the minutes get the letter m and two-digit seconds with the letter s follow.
6h13m53s
